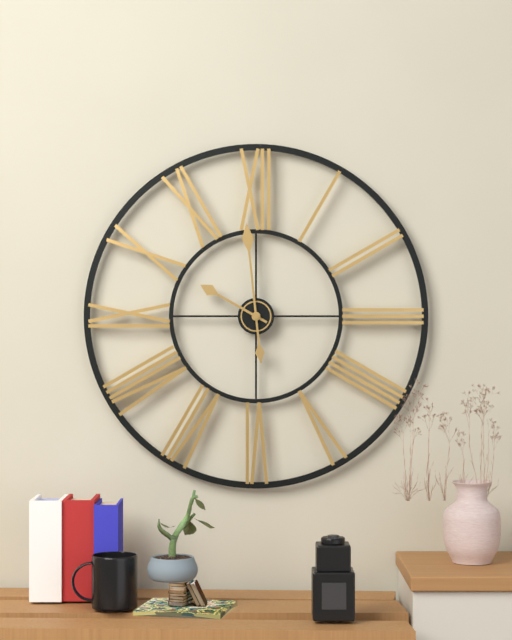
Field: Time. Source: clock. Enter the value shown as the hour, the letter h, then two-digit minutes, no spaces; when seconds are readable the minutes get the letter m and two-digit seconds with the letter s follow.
9h59
